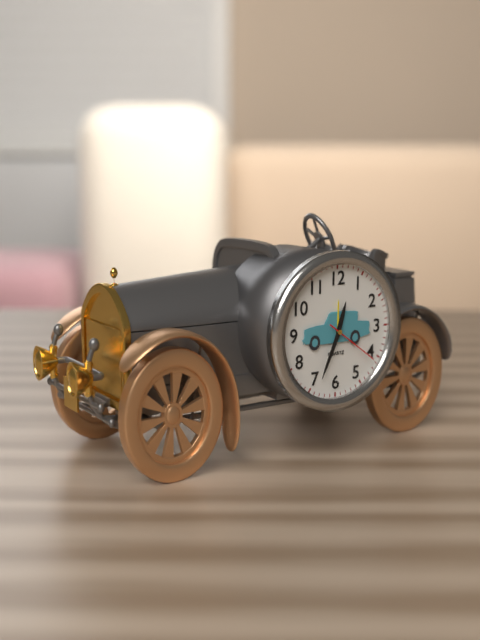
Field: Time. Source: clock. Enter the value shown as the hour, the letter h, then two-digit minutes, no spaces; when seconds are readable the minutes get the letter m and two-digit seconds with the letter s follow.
12h34m21s
